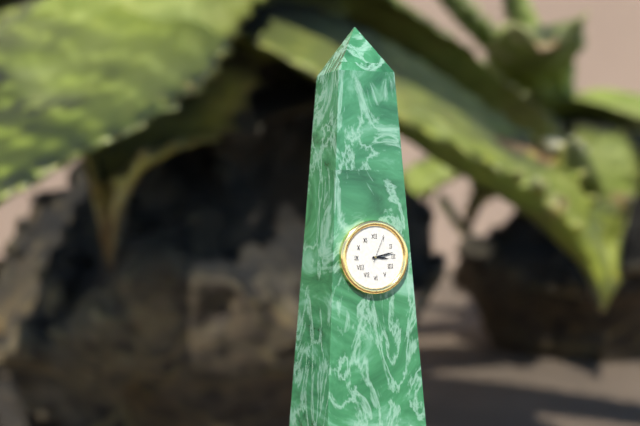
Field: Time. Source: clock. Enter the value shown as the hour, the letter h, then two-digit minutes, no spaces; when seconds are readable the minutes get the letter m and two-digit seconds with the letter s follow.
3h13
